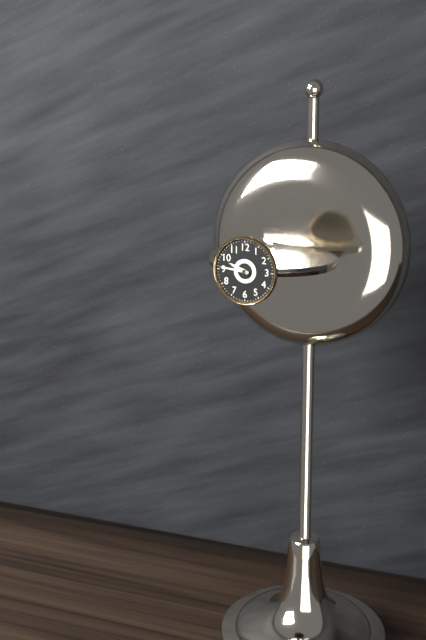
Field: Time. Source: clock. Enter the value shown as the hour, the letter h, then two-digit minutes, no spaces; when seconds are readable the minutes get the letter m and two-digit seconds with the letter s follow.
9h46
